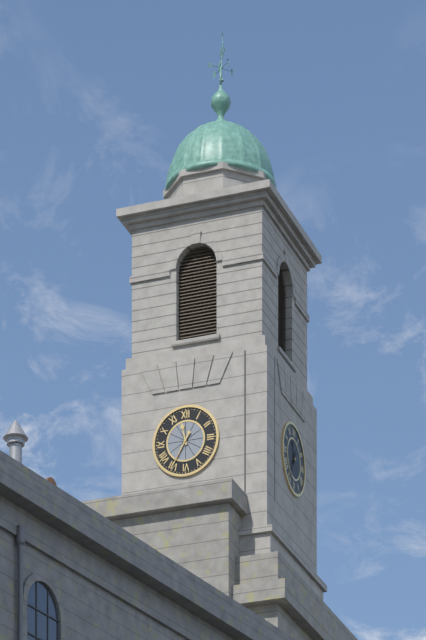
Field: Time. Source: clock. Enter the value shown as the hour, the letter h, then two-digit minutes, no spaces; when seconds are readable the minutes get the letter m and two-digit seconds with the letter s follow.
11h35
